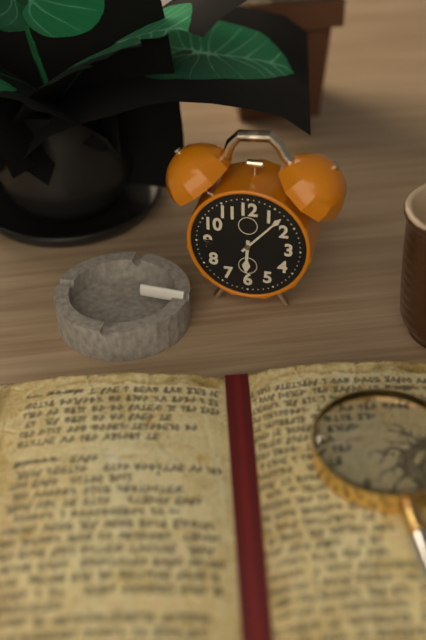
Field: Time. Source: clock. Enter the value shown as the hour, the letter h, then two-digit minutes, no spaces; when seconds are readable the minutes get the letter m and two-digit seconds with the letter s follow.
6h07
